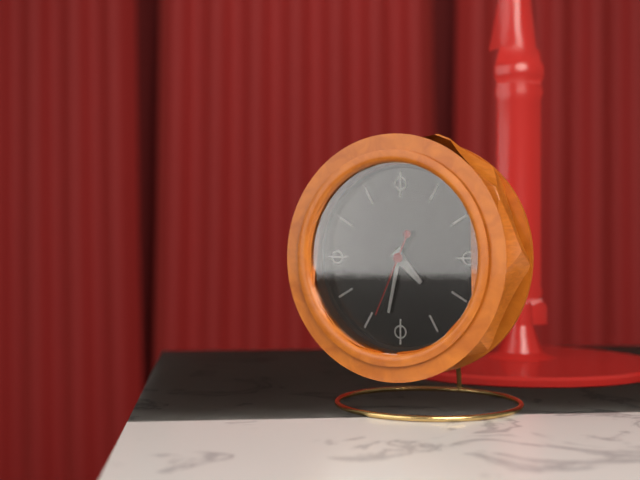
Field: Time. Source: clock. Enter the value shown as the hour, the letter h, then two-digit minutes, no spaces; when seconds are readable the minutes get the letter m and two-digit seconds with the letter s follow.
4h32m34s
